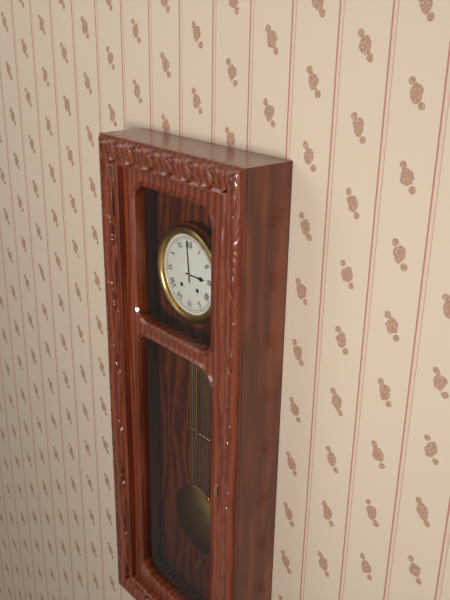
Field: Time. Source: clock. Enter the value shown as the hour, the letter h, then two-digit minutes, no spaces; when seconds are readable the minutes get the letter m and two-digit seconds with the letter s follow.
2h59
